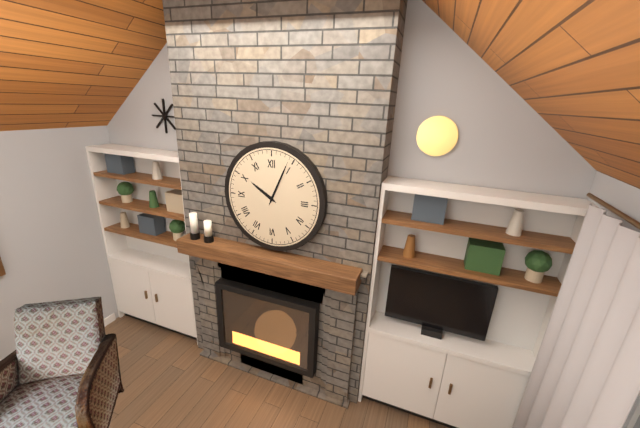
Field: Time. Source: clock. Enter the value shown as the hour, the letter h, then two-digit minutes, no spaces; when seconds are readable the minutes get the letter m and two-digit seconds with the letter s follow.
10h04
